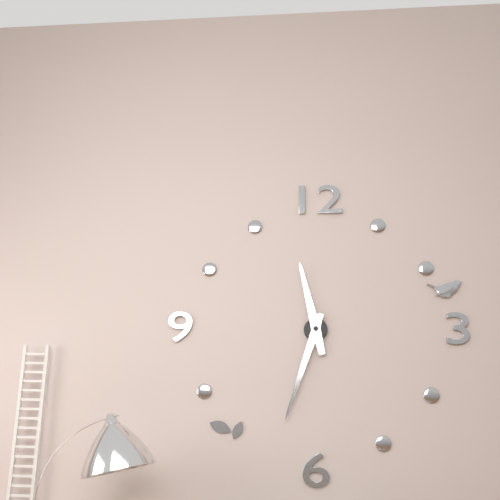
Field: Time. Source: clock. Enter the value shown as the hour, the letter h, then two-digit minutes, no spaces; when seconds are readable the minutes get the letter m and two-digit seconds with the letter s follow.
11h33
